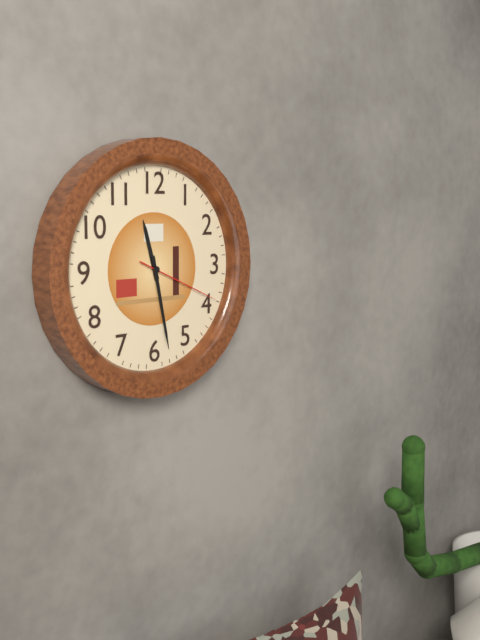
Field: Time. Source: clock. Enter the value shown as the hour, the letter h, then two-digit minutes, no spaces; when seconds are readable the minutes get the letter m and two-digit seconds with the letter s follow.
11h28m19s
